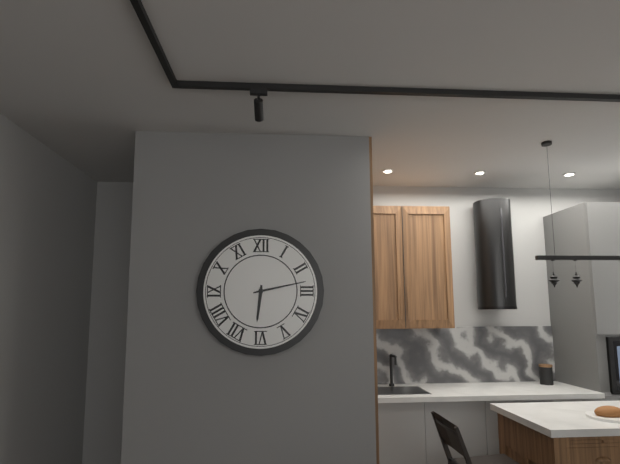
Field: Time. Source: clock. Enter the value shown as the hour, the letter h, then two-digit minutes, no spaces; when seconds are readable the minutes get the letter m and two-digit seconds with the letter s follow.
6h13
